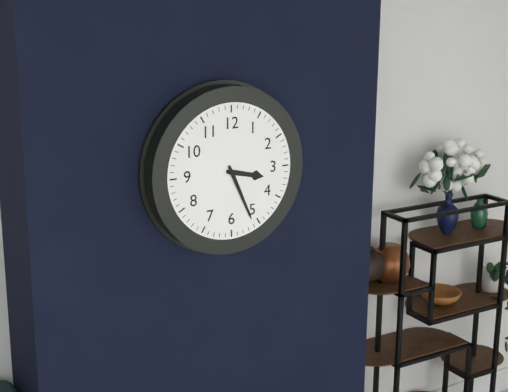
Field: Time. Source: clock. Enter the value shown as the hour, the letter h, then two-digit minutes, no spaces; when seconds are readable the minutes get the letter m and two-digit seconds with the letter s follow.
3h26
